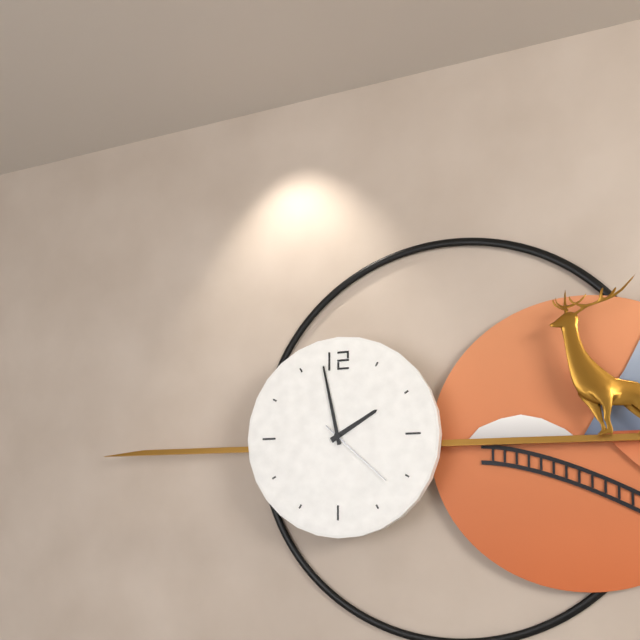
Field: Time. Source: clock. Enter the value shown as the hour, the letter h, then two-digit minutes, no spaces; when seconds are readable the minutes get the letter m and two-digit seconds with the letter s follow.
1h58m22s
